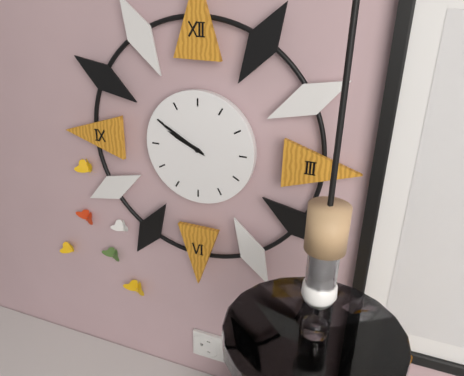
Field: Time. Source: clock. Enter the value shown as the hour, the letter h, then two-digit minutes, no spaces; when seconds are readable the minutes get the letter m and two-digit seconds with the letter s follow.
9h50
